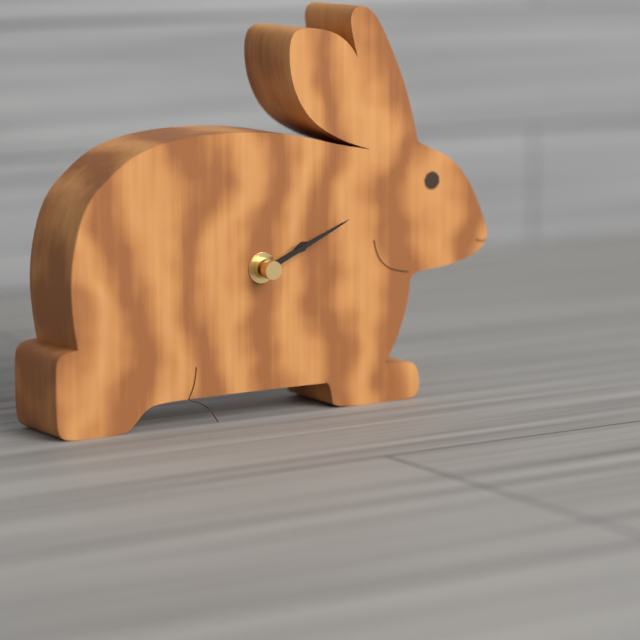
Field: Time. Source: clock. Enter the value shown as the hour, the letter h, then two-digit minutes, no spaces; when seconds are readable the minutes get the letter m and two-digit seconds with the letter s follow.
2h11
